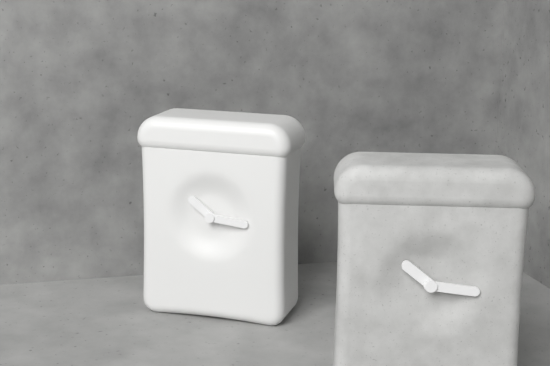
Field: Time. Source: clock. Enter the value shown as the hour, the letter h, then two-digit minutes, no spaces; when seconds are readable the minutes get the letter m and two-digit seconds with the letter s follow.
10h16
